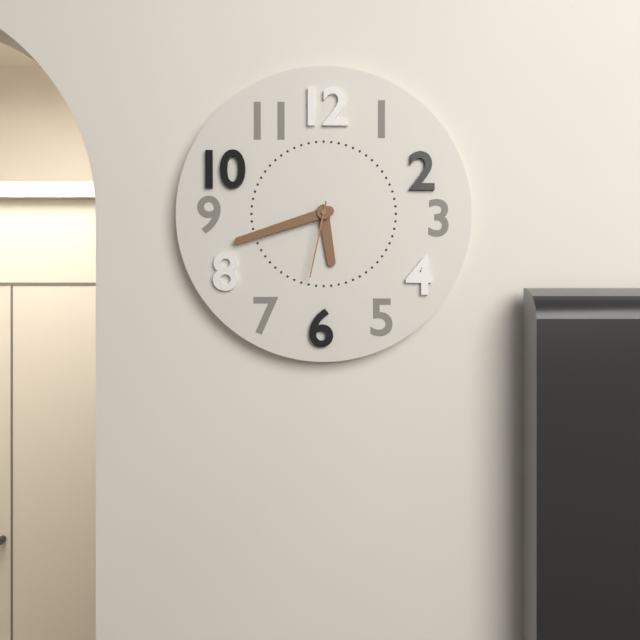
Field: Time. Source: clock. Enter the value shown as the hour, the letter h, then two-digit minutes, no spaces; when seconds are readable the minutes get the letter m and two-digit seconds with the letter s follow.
5h42m32s
